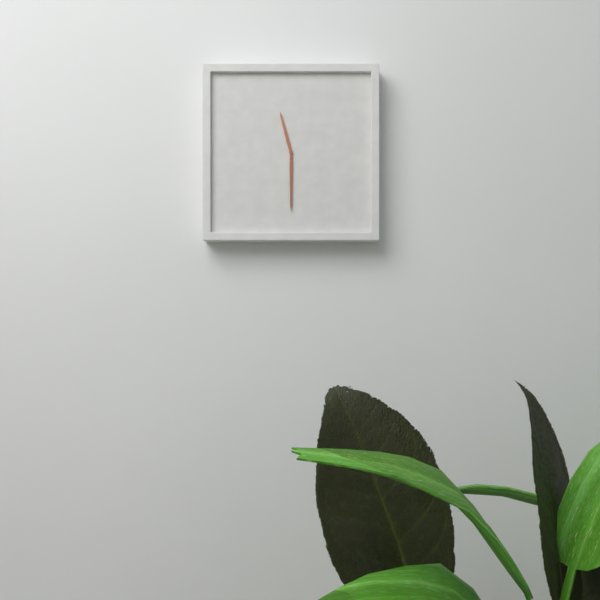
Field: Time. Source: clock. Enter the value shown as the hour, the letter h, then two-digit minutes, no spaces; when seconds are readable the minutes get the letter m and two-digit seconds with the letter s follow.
11h30
